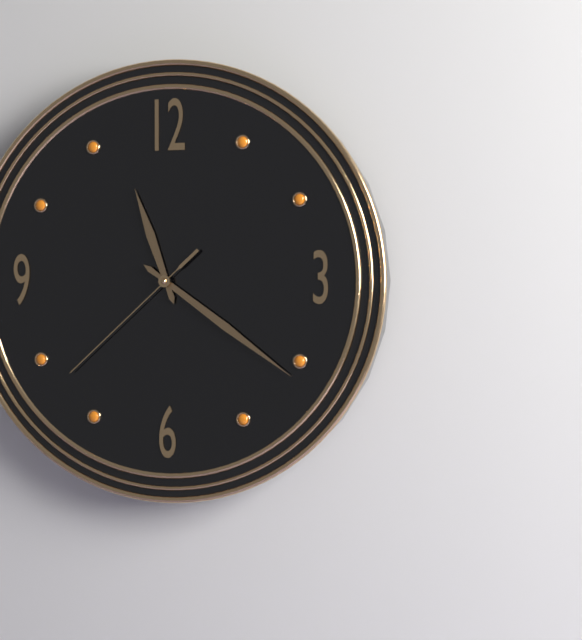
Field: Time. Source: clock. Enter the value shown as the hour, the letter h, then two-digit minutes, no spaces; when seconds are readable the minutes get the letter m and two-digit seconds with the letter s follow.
11h21m38s
